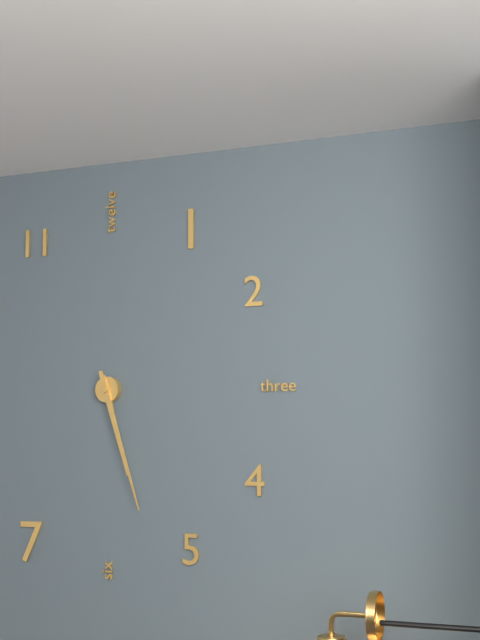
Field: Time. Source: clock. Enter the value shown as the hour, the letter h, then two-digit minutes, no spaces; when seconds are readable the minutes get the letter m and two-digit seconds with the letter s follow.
5h27
